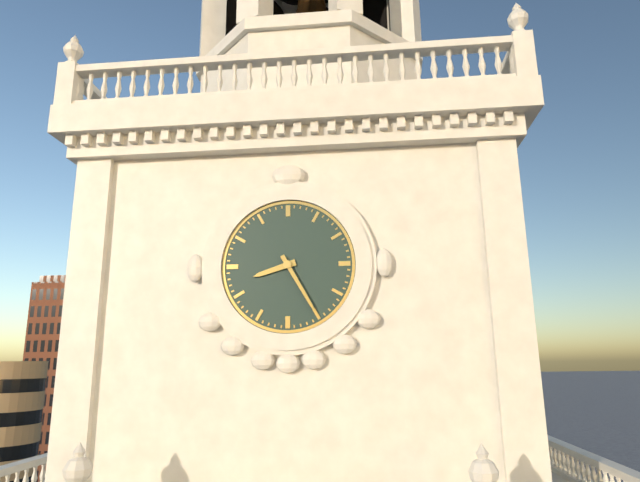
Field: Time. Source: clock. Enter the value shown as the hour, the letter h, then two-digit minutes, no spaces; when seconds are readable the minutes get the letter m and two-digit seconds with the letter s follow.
8h25
